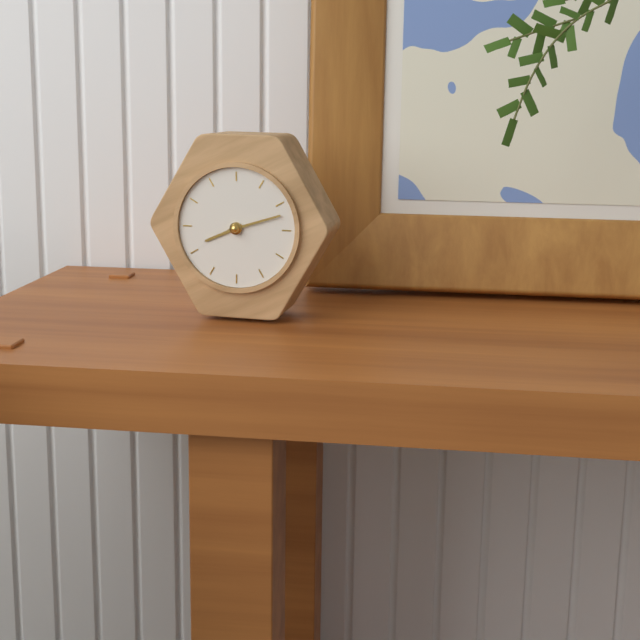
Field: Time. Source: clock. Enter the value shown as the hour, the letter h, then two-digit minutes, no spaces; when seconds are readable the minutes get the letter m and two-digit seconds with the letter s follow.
8h12
